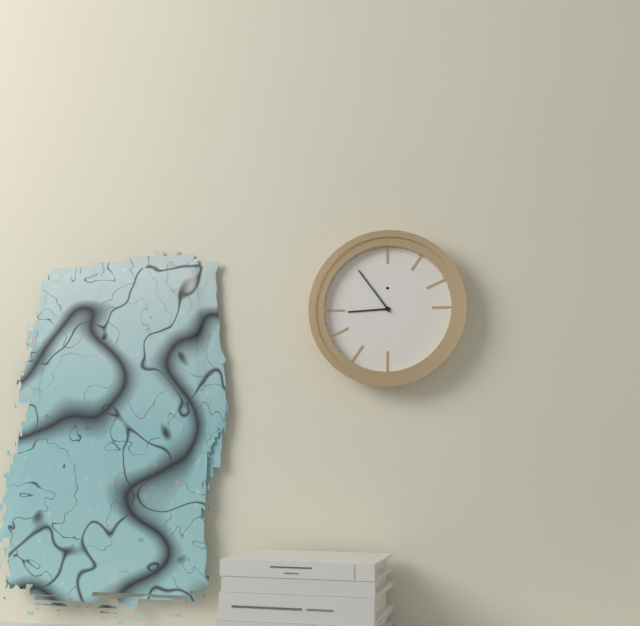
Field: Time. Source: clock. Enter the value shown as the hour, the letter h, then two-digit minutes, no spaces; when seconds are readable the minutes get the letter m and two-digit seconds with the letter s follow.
8h54
